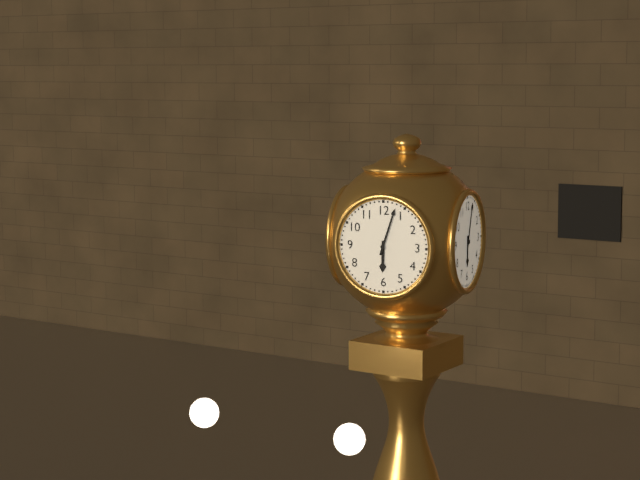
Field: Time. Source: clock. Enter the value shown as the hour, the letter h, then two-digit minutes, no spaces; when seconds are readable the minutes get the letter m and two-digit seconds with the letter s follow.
6h03
